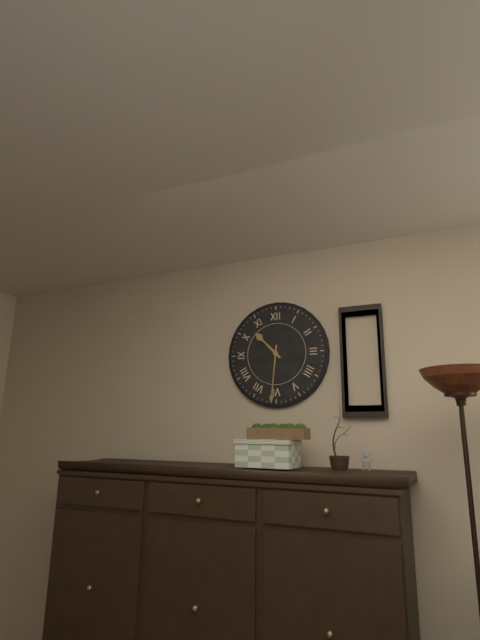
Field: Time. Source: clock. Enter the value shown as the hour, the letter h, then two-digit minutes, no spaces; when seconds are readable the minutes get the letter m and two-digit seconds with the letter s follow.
10h31
